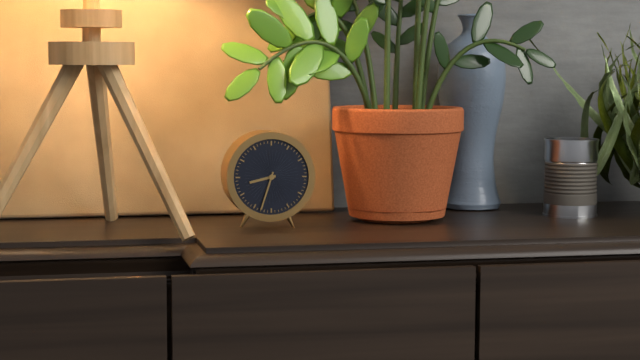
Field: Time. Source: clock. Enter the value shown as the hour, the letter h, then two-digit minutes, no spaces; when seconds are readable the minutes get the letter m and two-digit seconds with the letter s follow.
8h33
